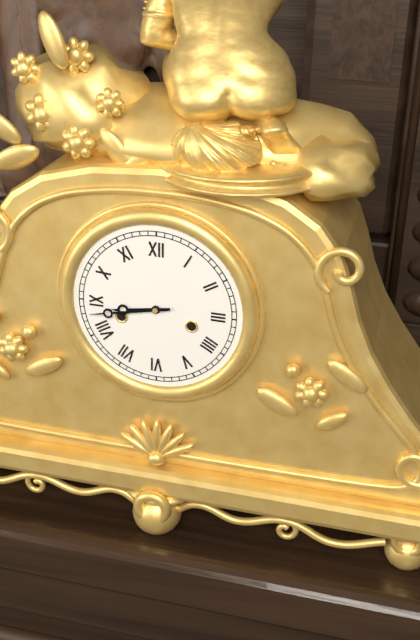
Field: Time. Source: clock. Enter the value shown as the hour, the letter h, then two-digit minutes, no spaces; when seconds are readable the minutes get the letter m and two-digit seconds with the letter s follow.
8h43
